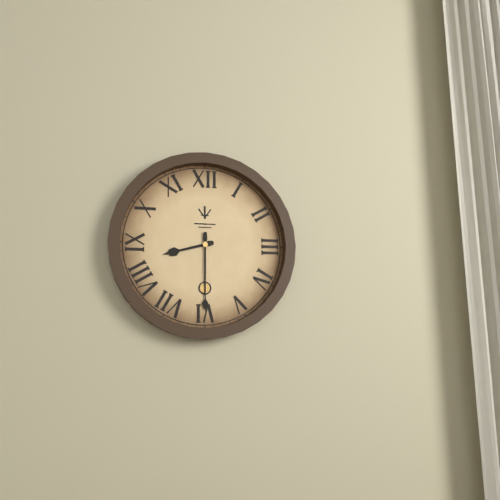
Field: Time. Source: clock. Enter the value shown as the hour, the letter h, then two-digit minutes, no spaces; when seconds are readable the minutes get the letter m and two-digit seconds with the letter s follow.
8h30
